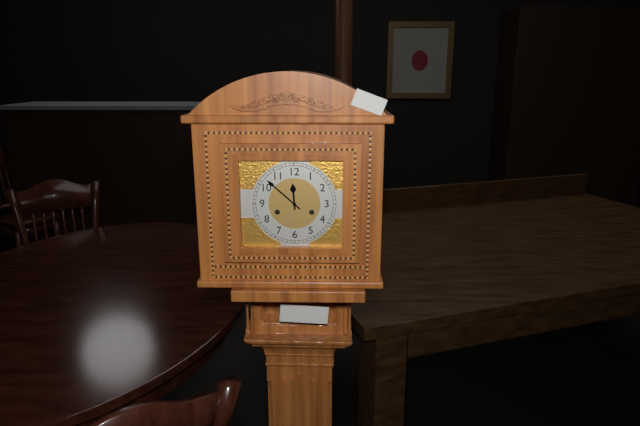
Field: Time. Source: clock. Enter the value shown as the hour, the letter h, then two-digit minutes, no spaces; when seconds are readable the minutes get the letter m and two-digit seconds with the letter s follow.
11h52
